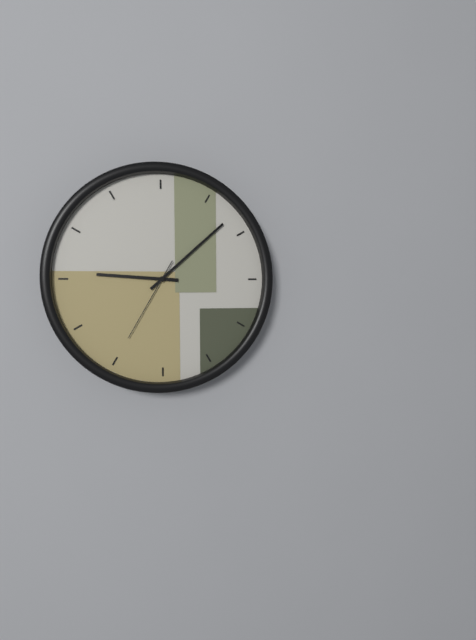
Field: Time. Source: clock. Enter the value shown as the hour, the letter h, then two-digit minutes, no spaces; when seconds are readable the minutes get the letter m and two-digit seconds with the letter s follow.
9h08m35s
